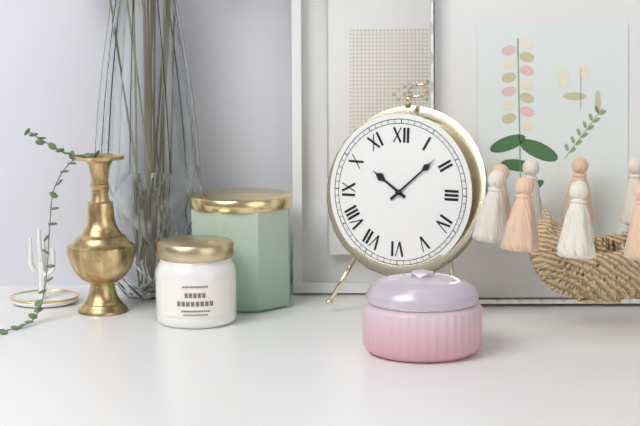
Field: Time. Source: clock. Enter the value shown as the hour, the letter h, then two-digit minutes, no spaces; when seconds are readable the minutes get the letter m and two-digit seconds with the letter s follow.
10h08
